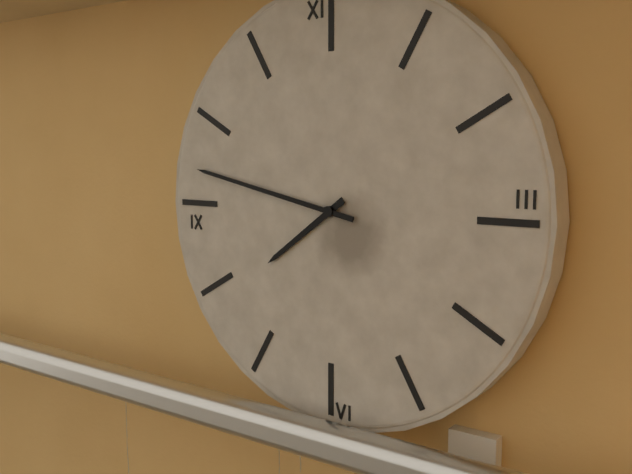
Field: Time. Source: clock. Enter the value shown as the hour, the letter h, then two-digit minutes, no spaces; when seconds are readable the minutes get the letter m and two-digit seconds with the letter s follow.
7h47
